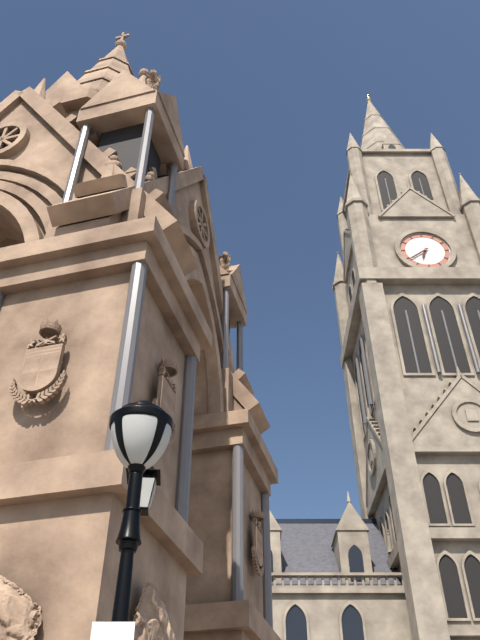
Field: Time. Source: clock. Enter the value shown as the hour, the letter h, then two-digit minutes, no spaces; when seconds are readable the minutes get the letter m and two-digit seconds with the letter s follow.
6h39
